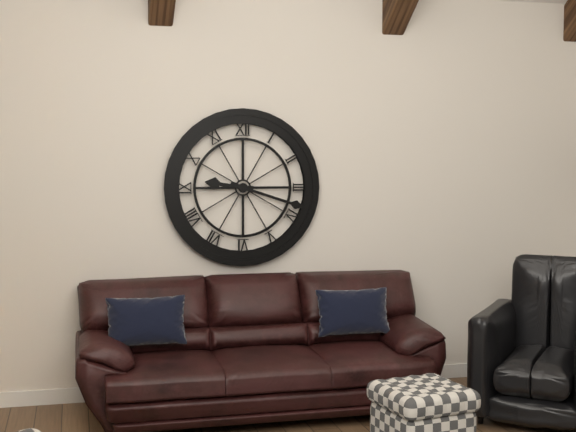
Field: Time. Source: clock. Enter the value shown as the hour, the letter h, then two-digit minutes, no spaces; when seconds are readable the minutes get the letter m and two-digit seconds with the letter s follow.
9h18
